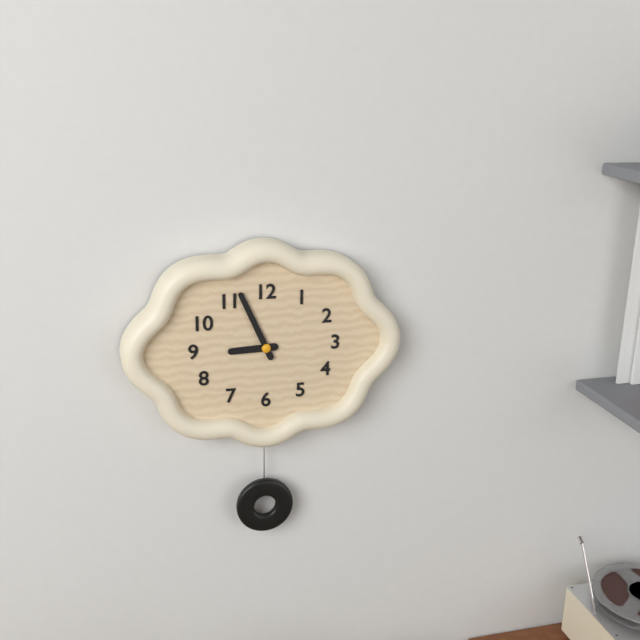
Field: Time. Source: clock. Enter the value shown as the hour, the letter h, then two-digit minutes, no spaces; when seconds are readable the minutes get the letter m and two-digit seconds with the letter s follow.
8h56
